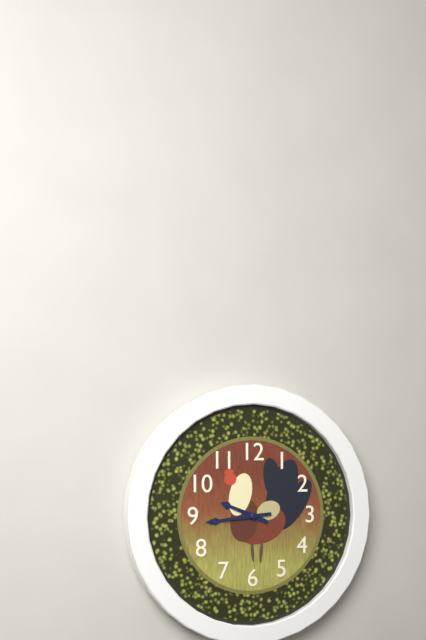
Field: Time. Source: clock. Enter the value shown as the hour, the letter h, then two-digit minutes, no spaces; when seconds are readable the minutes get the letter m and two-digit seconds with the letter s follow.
9h44
